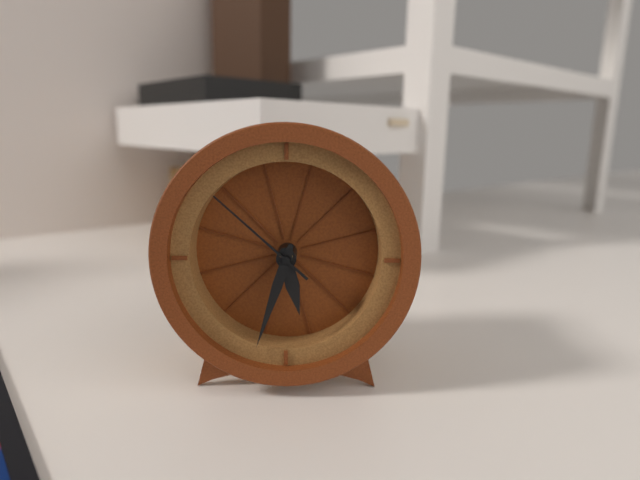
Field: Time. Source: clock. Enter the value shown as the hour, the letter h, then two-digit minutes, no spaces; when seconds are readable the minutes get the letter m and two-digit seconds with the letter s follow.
5h33m52s
